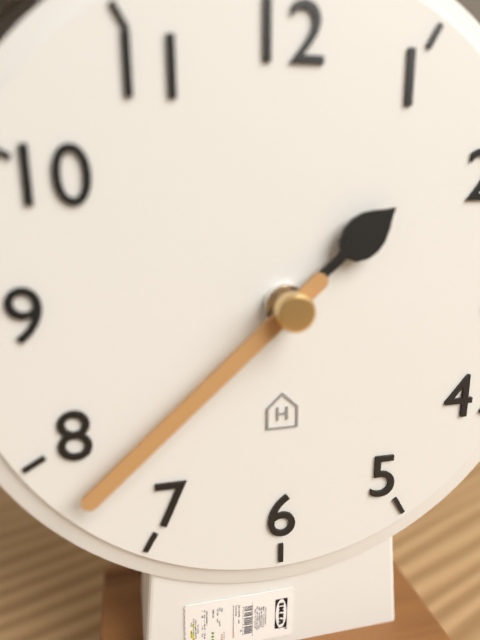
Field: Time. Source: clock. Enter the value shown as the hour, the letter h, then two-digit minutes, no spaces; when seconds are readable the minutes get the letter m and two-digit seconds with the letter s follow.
1h38
